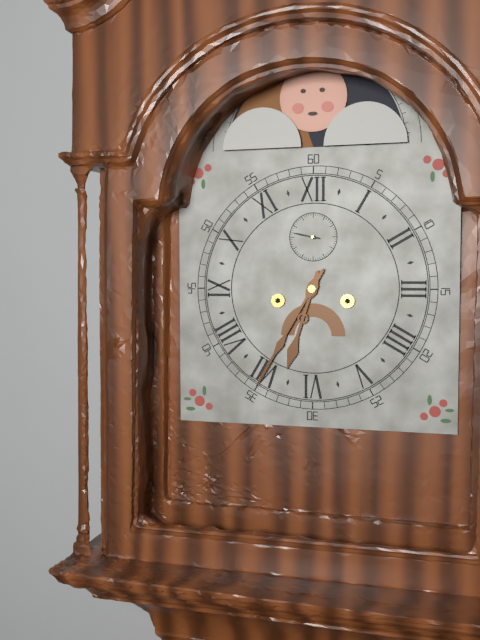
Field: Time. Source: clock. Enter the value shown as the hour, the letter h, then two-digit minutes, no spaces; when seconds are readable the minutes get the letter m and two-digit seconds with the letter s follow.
6h35
